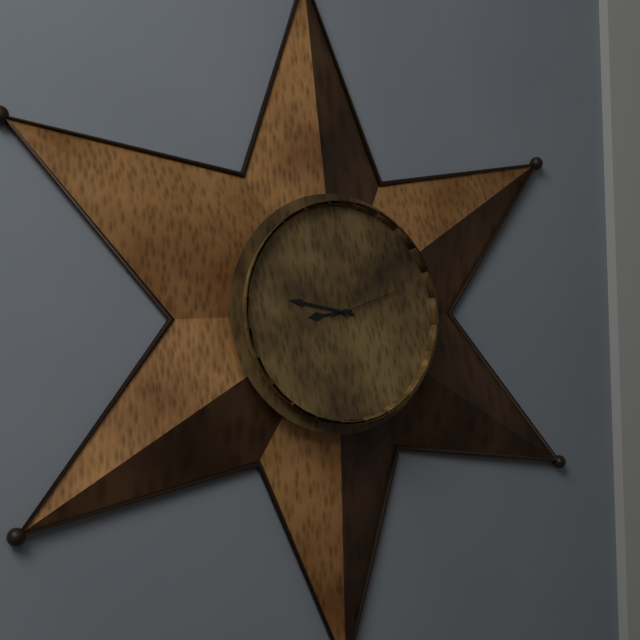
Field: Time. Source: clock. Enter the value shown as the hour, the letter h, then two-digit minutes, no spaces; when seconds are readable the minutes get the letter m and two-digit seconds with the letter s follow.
8h47m12s
